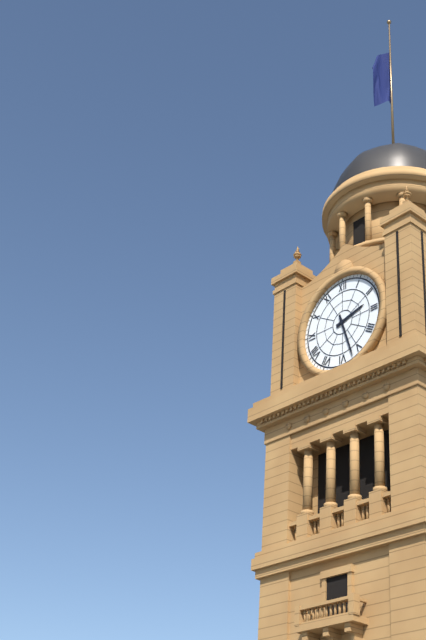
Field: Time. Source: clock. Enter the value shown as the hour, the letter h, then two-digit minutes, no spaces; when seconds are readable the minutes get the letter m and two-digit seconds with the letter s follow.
2h27
